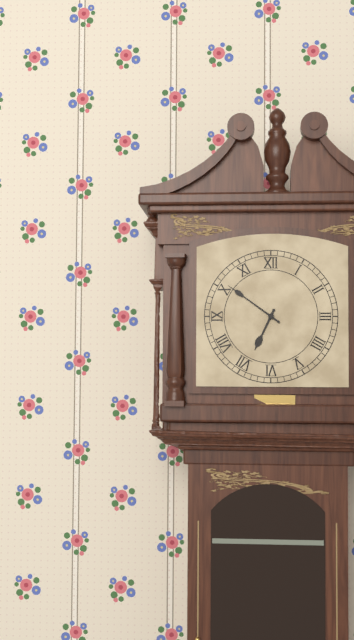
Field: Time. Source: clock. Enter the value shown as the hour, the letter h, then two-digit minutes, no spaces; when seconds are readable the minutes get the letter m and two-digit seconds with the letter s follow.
6h51
